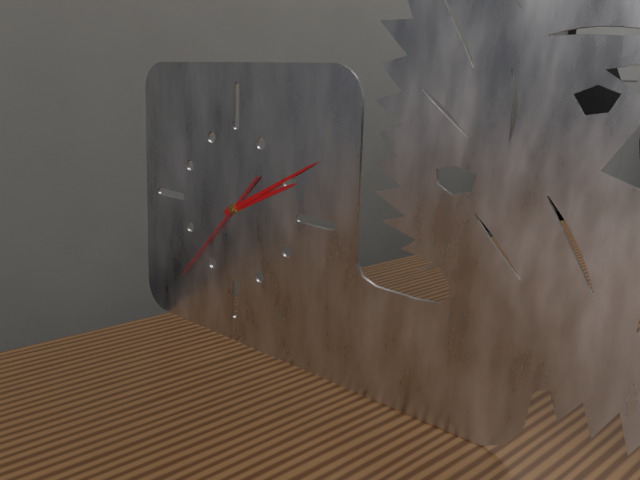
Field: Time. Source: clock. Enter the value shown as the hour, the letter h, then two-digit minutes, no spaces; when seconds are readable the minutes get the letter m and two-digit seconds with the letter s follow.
2h10m37s
